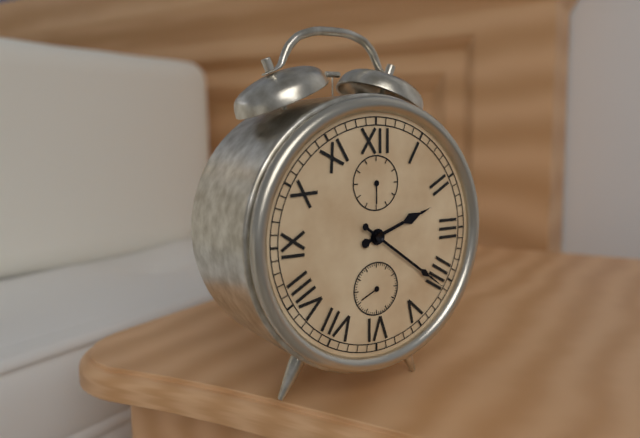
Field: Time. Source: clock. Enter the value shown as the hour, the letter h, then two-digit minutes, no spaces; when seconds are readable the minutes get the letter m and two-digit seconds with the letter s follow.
2h21
